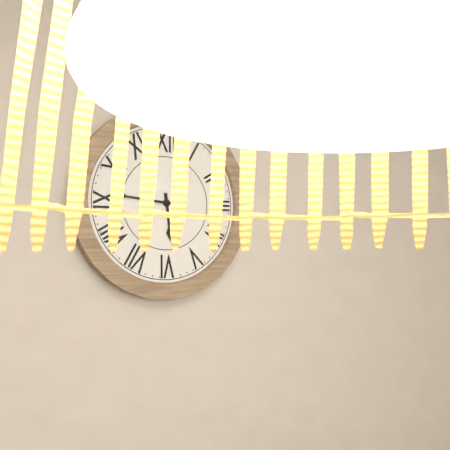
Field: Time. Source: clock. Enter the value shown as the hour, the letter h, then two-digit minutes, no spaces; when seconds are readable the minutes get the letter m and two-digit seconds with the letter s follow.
5h46
